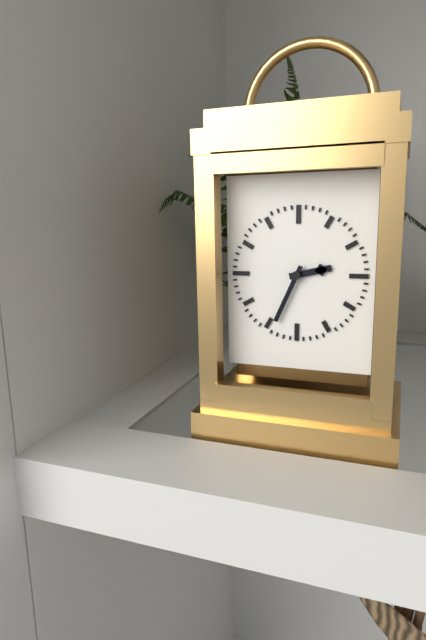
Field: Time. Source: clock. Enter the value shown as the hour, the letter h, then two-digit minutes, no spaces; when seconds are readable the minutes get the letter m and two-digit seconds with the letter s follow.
2h34
